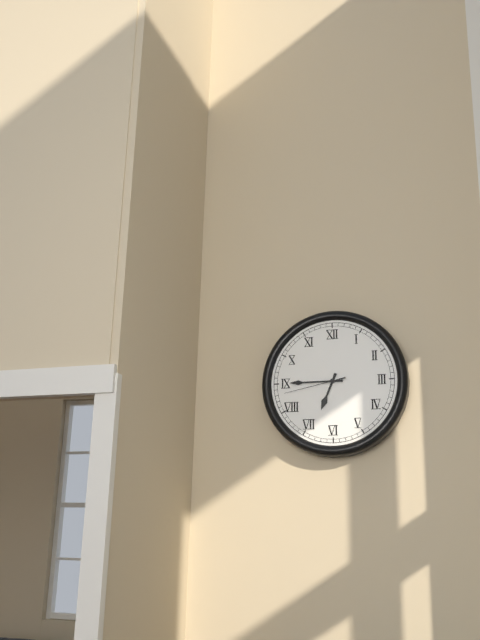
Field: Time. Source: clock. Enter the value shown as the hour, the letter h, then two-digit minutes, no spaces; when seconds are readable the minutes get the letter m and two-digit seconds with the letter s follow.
6h45m43s
